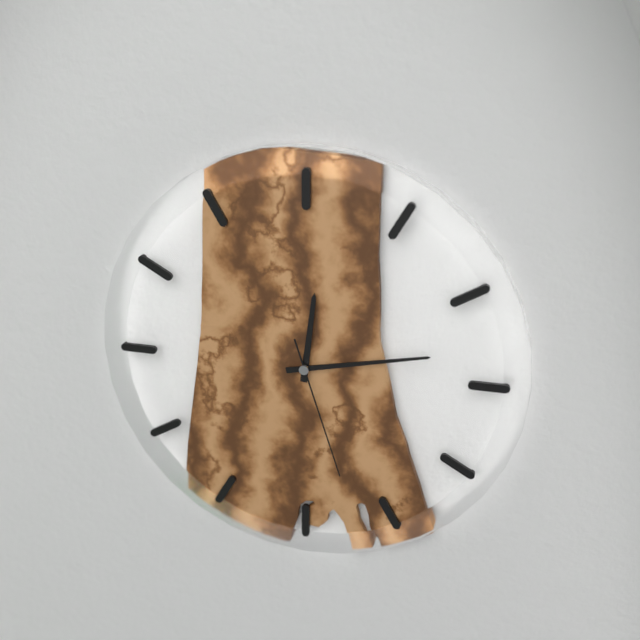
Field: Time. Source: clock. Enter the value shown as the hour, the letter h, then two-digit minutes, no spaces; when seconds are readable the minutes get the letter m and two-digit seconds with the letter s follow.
12h13m27s
